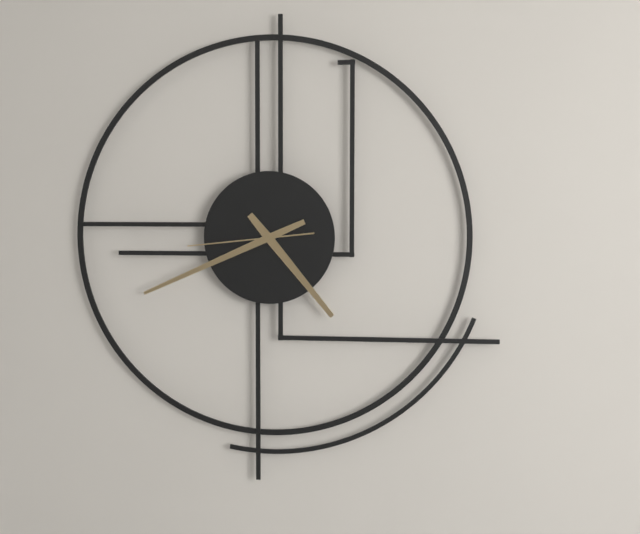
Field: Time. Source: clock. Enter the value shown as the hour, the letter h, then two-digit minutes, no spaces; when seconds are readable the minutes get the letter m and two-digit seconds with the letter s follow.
4h41m44s
